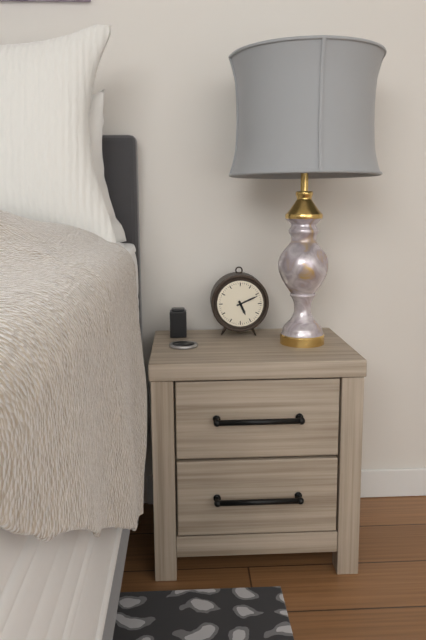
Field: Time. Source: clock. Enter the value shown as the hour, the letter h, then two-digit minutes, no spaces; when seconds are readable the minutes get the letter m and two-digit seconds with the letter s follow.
5h11
